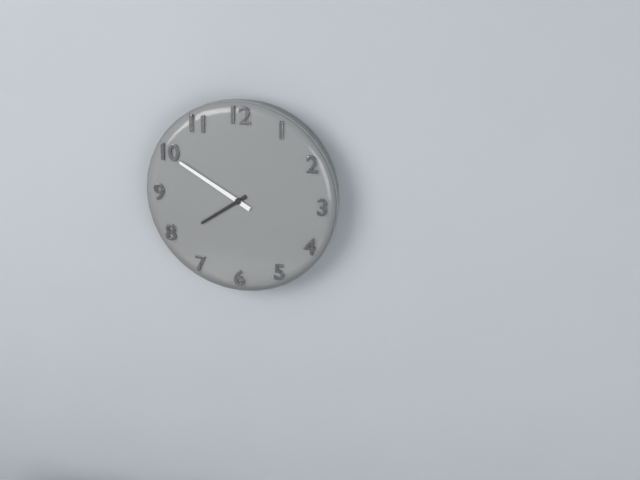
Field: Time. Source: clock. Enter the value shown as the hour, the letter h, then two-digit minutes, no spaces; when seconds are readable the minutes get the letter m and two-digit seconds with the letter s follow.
7h50
